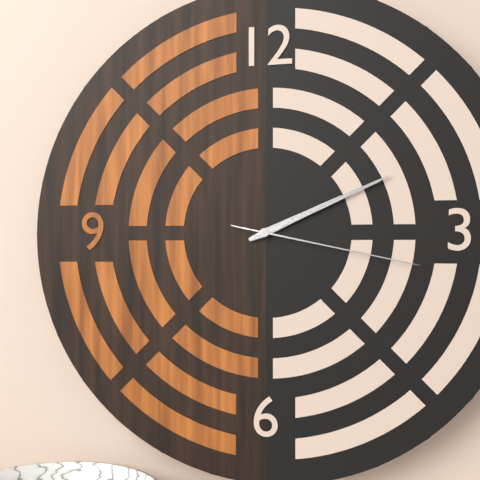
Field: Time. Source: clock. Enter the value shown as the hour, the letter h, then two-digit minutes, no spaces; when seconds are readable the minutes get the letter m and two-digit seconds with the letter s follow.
2h11m17s
